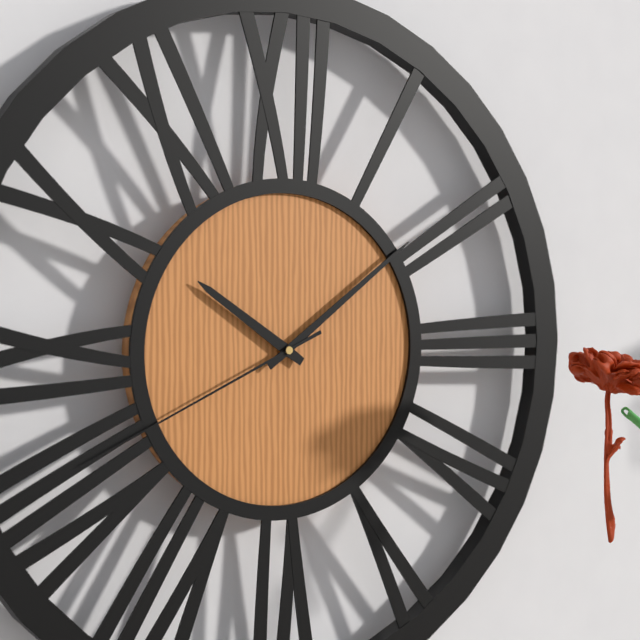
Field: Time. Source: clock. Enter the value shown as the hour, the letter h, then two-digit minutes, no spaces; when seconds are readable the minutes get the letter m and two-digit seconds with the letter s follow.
10h09m41s
